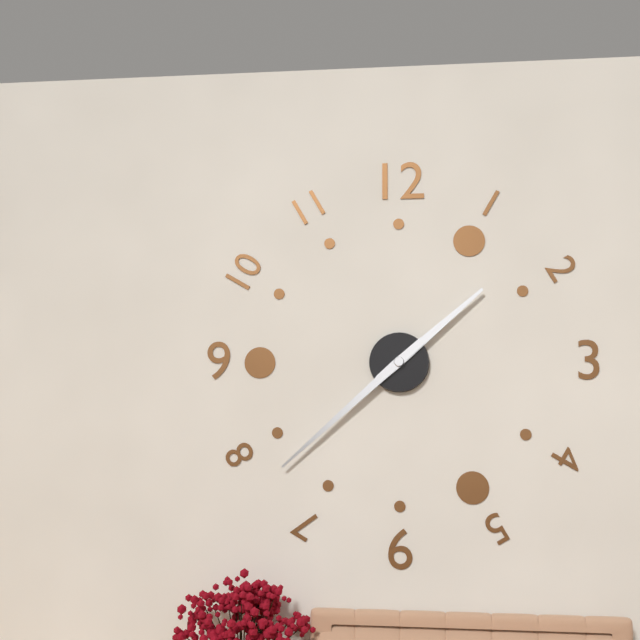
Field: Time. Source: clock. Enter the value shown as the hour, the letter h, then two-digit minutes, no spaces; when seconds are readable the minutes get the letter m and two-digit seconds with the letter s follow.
1h38
